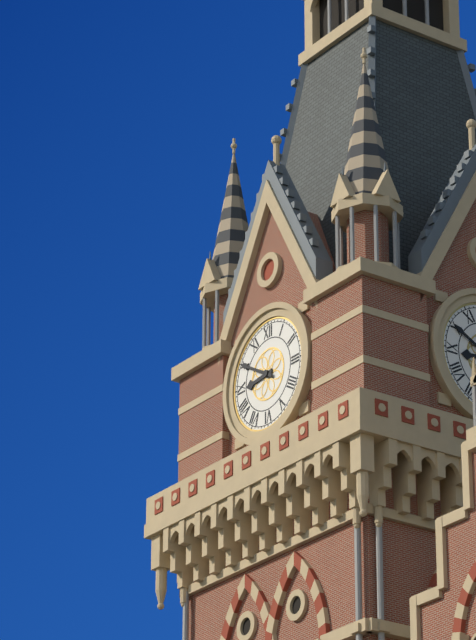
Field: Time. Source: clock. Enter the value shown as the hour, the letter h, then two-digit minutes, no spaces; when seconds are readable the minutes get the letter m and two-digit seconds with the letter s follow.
8h50
